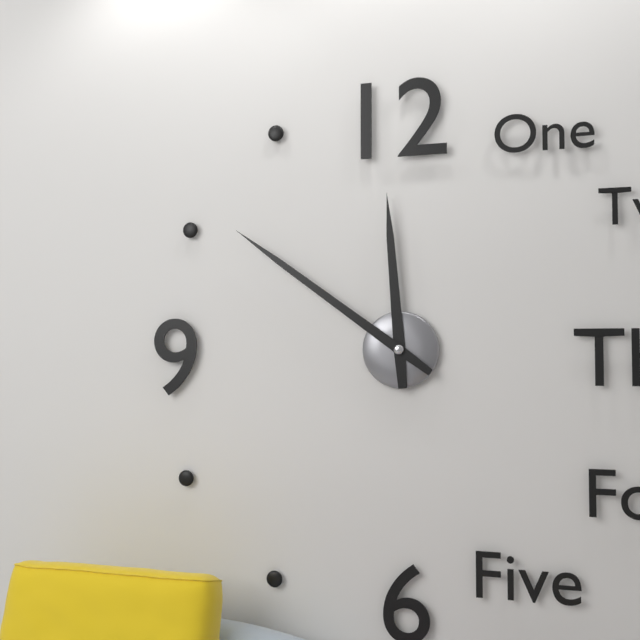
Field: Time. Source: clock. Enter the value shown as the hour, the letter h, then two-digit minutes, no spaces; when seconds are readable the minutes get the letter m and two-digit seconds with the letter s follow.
11h51
